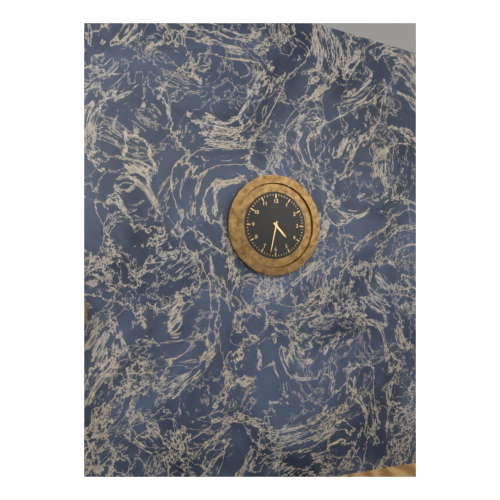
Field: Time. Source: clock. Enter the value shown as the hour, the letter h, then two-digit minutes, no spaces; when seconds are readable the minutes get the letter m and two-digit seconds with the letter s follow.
4h32
